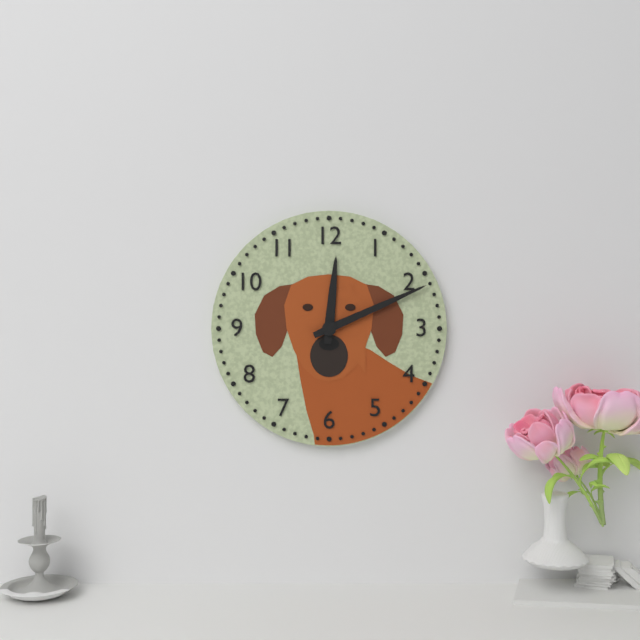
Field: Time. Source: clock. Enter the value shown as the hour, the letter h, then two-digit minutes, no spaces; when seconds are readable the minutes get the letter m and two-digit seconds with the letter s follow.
12h11
